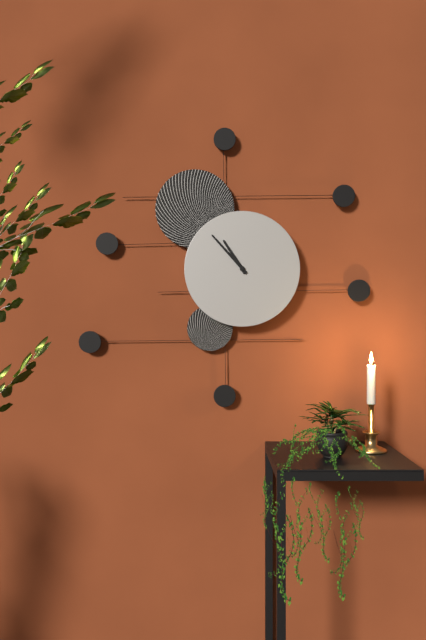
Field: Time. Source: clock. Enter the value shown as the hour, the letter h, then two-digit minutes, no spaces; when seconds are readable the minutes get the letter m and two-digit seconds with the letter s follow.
10h53
